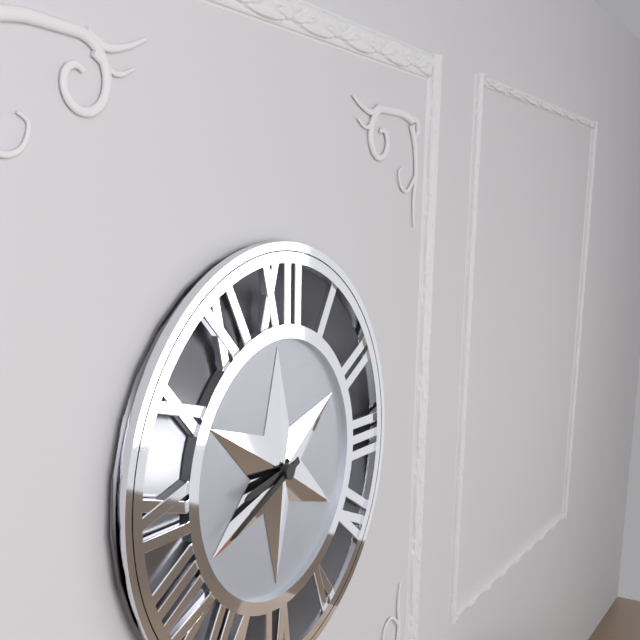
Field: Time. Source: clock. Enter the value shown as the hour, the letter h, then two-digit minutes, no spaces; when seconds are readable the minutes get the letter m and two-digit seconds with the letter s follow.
8h41
